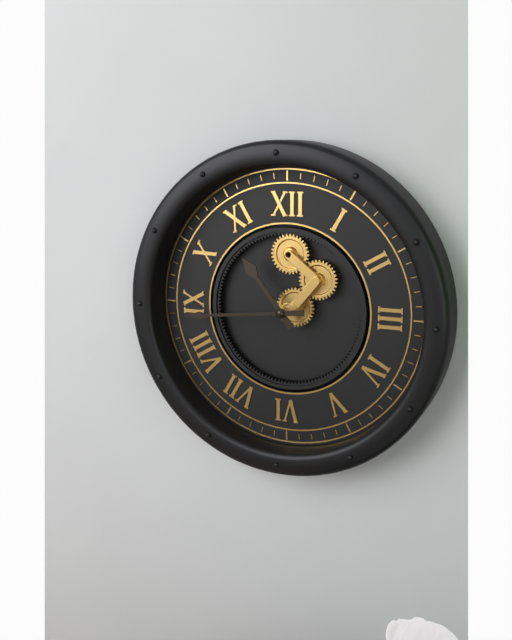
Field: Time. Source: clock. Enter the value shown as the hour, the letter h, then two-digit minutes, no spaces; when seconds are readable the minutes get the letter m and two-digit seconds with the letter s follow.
10h44
